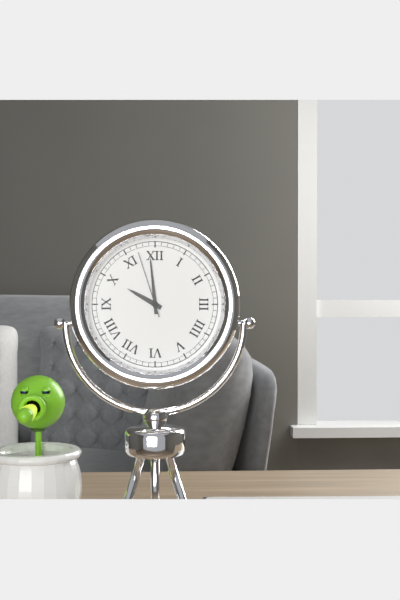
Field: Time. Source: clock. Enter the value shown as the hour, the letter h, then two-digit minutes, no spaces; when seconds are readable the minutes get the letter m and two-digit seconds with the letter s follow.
9h59m57s
